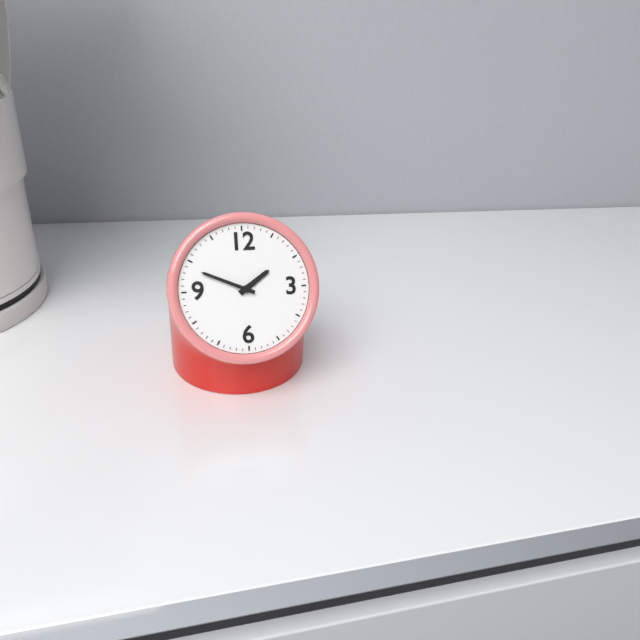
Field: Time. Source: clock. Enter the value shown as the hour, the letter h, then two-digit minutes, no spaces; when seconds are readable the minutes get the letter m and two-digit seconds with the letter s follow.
1h49
